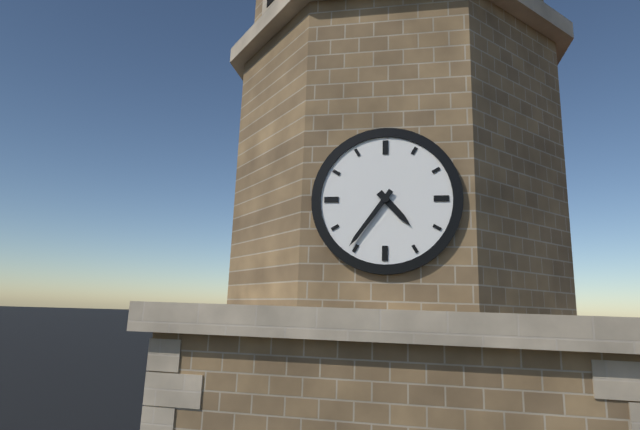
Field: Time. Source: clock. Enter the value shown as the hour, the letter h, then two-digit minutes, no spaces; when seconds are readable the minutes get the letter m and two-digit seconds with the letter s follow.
4h36
